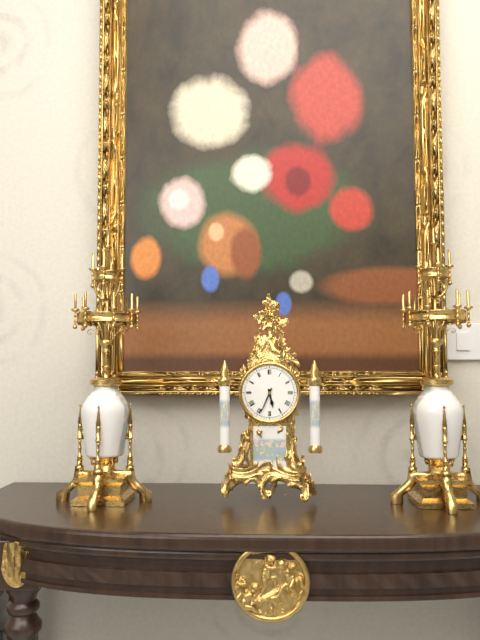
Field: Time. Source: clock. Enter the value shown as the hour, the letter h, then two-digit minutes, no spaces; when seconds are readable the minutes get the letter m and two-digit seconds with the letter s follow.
5h34
